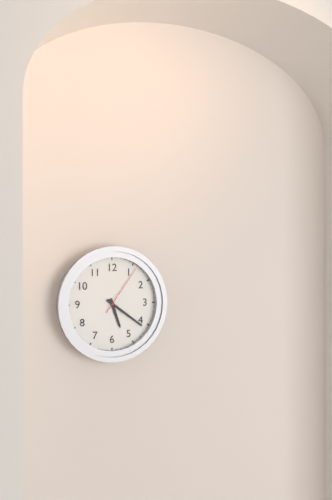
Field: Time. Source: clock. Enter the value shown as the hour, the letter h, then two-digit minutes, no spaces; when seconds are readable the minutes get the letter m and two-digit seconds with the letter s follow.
5h21m06s
